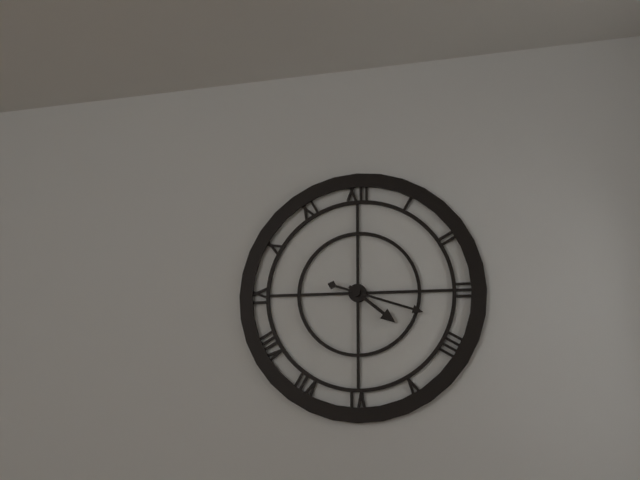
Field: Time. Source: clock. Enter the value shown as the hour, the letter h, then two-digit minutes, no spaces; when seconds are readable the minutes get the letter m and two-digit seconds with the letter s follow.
4h18
